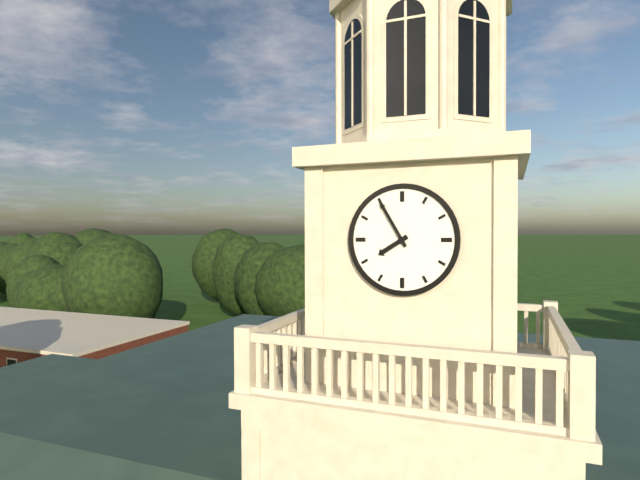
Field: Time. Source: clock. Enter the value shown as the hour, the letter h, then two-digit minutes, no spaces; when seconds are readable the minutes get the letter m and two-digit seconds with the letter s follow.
7h55
